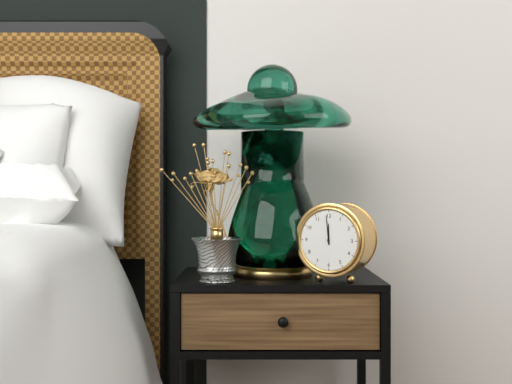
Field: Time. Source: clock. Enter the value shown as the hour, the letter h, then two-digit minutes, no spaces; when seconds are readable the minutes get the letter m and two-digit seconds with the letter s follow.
11h59
